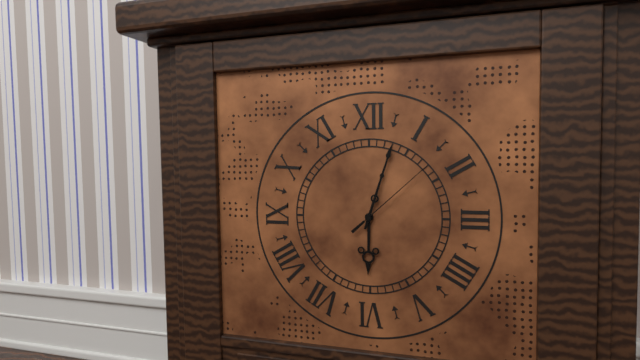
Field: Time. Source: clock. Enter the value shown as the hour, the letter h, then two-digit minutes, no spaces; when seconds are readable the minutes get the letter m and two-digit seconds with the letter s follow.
6h03m08s
